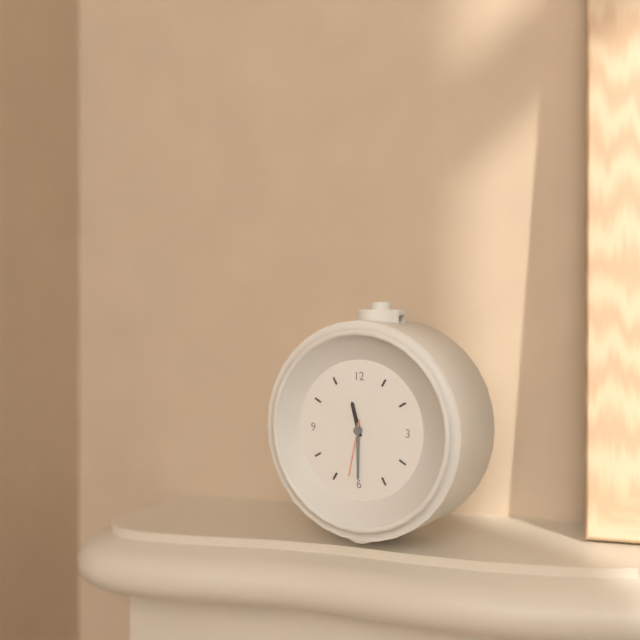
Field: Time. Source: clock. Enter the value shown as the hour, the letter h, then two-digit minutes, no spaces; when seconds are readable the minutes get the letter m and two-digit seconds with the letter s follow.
11h30m32s
